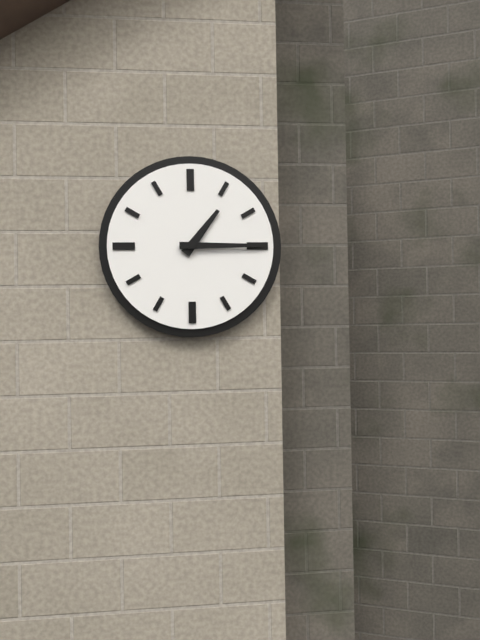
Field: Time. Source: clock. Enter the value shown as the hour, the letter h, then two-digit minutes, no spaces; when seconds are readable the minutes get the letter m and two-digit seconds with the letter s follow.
1h15
